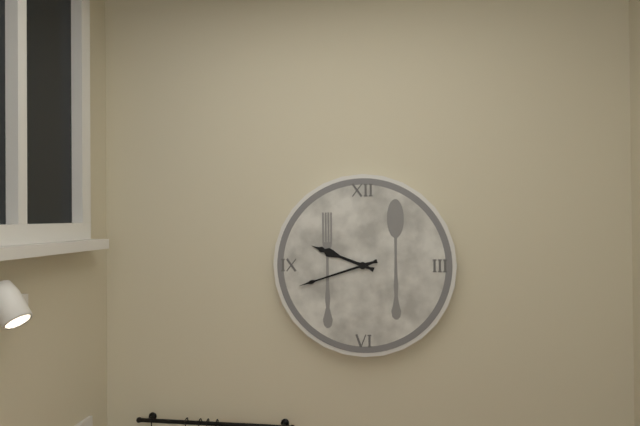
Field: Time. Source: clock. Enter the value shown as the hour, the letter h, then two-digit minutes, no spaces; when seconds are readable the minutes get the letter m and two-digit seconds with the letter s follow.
9h42
